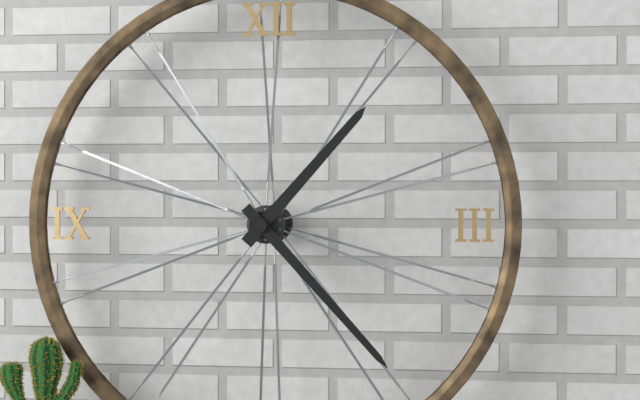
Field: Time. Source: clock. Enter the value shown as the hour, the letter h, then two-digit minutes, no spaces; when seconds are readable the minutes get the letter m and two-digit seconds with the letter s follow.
1h23
